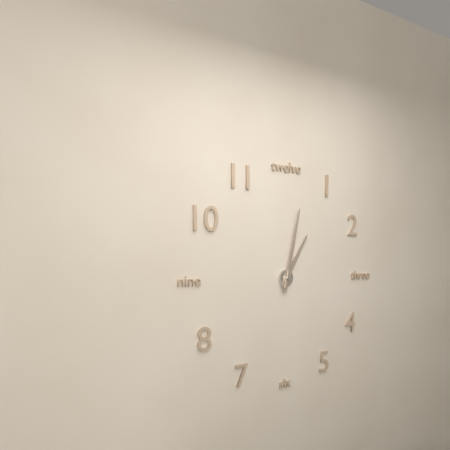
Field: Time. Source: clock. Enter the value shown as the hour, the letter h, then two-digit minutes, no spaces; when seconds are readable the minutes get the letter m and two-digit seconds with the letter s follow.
1h02
